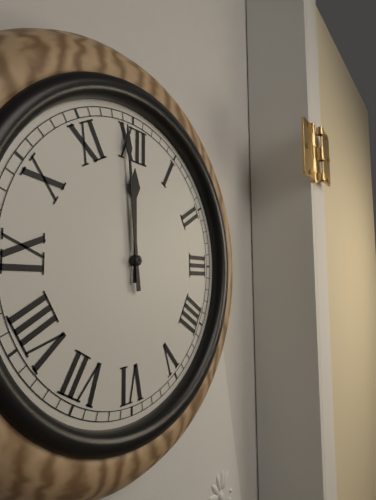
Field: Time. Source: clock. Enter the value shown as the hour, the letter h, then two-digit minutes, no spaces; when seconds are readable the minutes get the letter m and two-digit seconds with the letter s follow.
11h59
